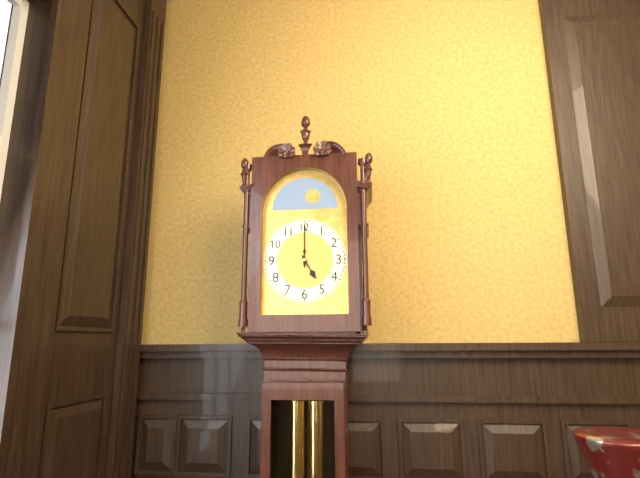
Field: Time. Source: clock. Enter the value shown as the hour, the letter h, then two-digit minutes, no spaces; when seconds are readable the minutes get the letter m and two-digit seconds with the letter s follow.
5h00
